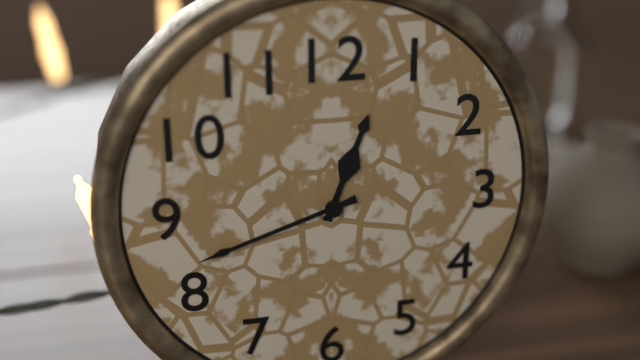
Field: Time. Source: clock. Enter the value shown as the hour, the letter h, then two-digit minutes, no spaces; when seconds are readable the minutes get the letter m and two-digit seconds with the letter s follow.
12h42
